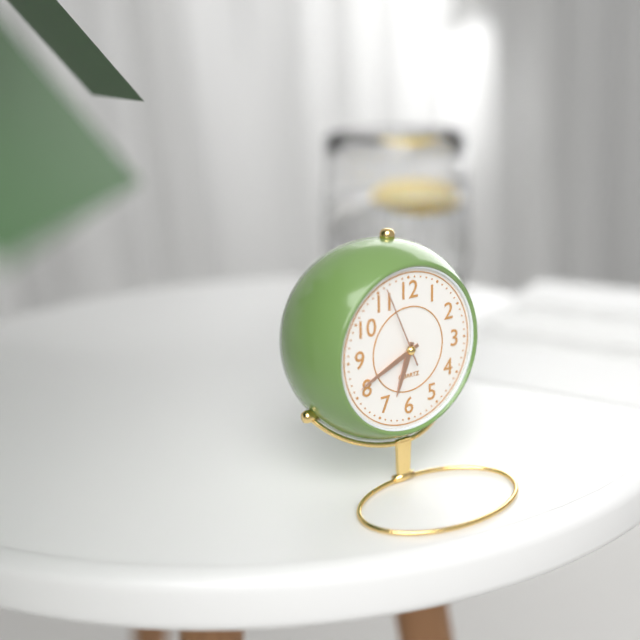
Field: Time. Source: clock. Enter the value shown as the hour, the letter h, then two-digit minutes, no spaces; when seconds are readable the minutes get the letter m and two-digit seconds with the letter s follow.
6h41m56s
